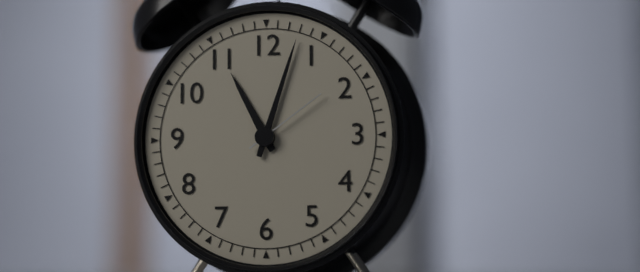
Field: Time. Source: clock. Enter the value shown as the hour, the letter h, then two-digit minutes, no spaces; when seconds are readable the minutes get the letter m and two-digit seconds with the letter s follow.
11h03m09s
